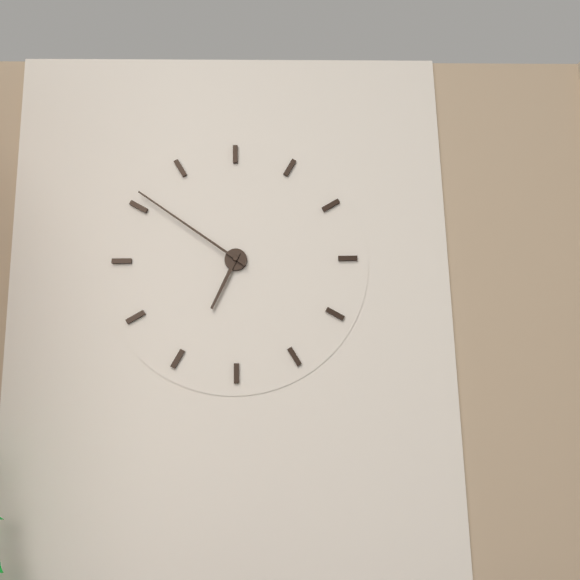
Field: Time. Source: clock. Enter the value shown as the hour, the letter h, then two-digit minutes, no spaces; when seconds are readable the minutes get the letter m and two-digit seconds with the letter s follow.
6h51
